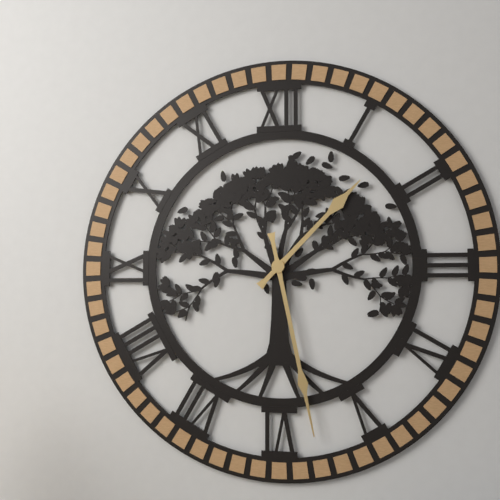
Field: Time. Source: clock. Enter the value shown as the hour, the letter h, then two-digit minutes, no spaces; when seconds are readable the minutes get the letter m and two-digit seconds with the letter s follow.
1h28
